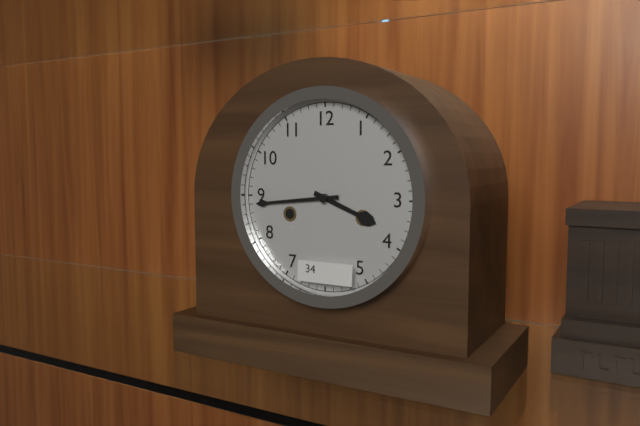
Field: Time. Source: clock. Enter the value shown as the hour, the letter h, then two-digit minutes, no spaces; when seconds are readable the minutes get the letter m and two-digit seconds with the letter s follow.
3h44
